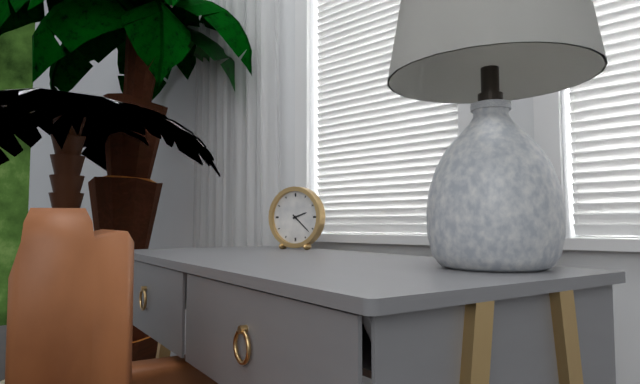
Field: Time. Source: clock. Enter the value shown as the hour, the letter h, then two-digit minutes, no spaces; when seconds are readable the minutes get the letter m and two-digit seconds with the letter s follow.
2h22
